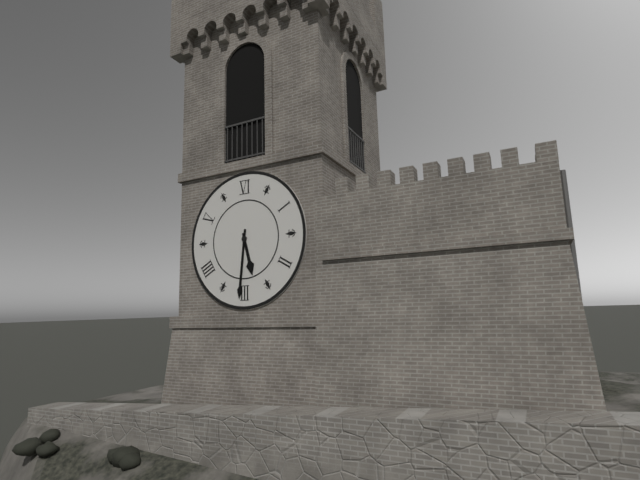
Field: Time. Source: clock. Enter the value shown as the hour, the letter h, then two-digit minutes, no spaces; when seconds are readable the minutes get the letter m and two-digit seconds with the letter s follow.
5h31
